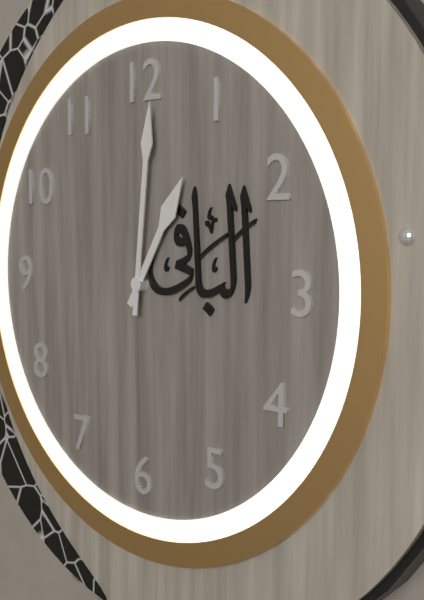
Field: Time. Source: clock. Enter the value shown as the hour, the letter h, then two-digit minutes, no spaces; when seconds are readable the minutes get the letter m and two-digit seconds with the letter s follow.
1h01
